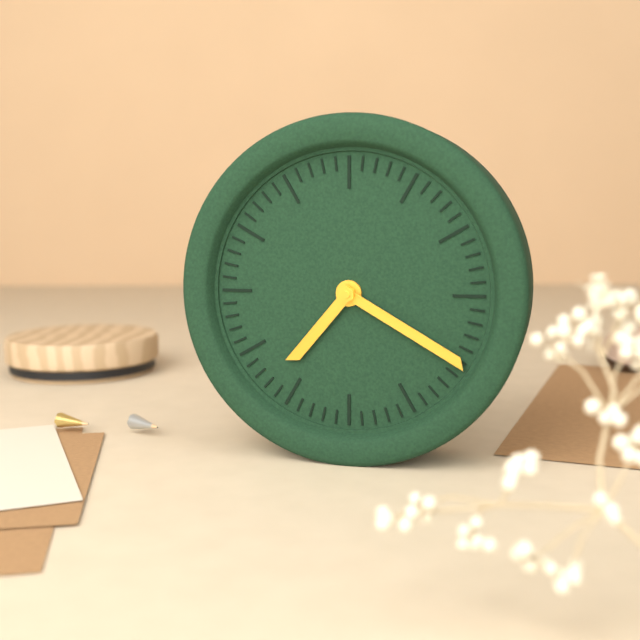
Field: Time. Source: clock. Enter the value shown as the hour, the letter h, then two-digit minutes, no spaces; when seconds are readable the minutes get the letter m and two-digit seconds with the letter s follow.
7h20
